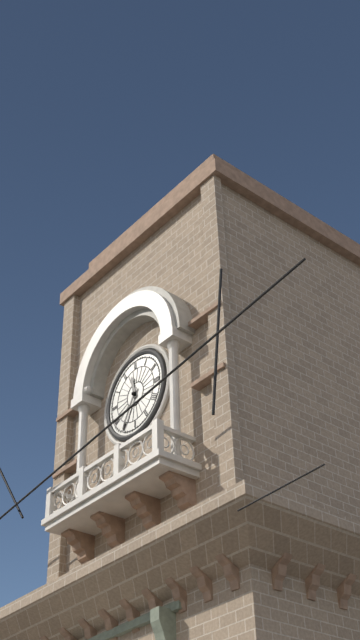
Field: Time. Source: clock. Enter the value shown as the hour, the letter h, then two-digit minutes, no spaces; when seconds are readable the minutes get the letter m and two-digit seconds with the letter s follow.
11h35
